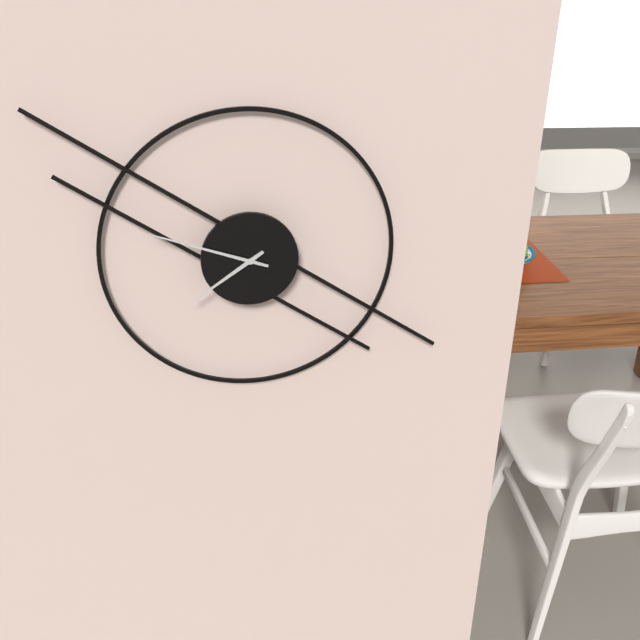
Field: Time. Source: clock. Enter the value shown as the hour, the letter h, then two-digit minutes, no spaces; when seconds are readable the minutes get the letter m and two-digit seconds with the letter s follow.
7h48
